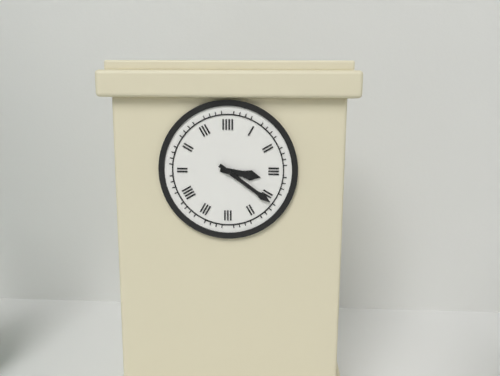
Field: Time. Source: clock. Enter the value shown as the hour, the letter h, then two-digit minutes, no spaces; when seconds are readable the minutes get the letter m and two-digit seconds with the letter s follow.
3h21
